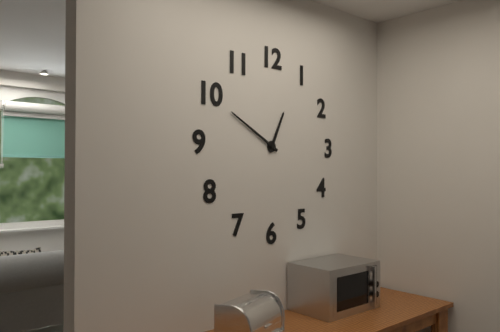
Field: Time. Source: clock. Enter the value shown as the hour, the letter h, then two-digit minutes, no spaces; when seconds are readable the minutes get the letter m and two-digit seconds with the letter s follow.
12h50
